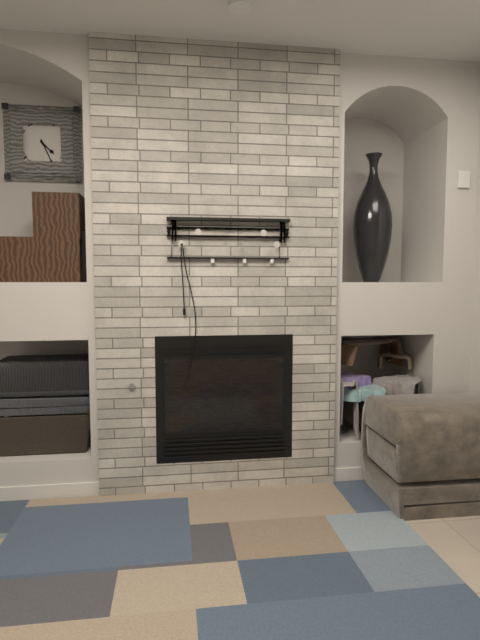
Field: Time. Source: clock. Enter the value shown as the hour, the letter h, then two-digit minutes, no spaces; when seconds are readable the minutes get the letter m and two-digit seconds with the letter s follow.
4h26
